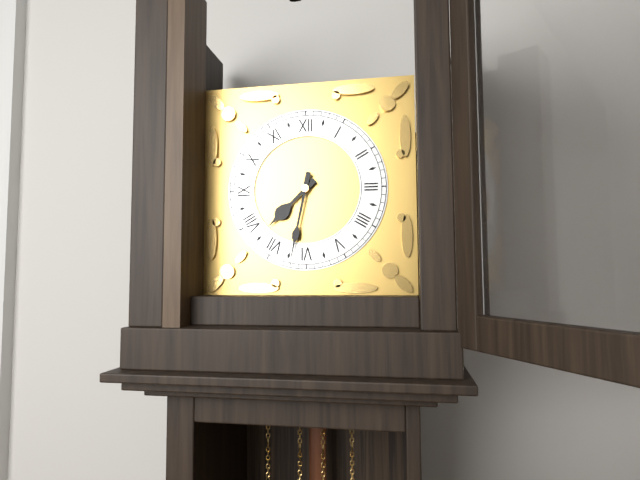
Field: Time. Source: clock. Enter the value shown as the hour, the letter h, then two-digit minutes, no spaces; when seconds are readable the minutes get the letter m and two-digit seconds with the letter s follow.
7h32
